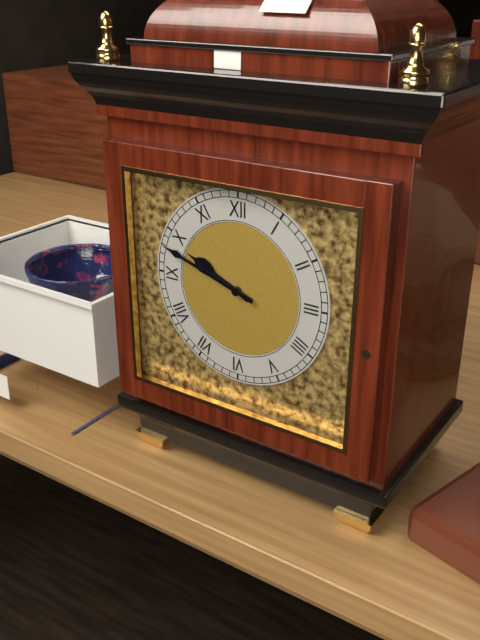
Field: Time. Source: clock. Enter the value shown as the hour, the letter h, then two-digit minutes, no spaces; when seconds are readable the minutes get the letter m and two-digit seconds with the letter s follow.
9h48
